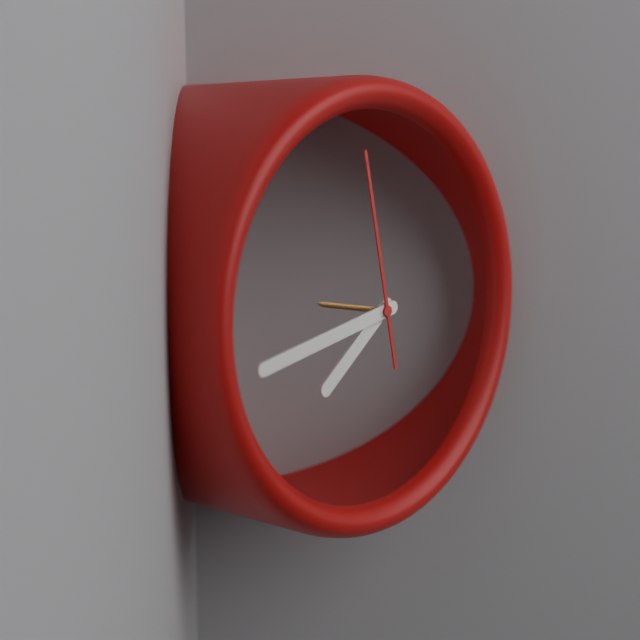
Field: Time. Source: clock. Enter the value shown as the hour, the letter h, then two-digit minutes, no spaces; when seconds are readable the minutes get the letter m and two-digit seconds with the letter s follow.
7h43m58s
